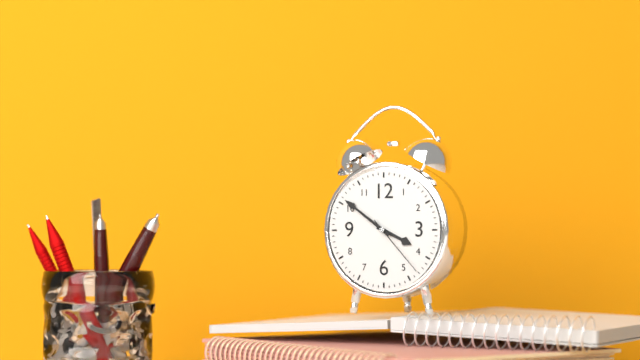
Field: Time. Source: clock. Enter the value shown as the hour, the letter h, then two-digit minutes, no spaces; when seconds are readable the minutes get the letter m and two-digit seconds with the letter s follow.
3h51m23s
